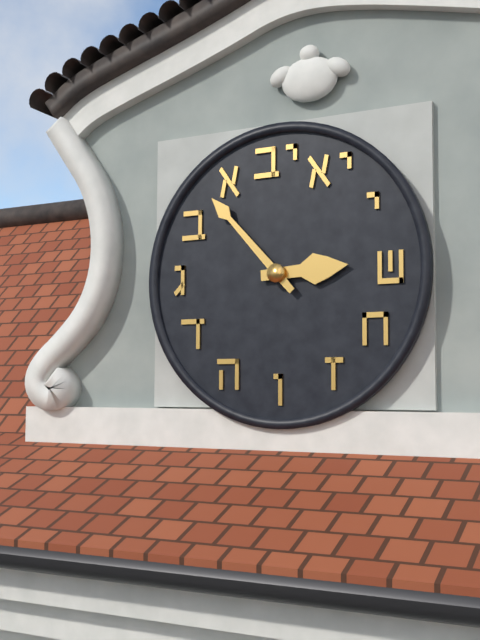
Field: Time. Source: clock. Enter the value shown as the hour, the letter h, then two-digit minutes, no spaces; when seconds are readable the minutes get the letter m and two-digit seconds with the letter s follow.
2h53
